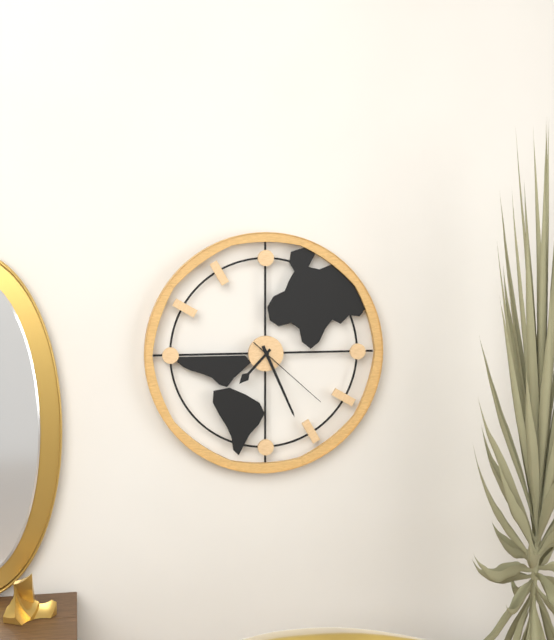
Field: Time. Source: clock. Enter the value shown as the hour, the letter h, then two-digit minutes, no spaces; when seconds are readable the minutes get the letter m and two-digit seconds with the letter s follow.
7h26m22s
